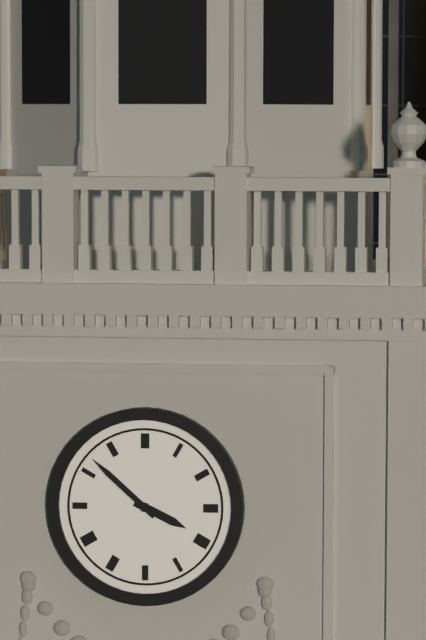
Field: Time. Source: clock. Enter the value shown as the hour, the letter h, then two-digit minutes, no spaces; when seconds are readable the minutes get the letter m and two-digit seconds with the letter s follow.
3h52
